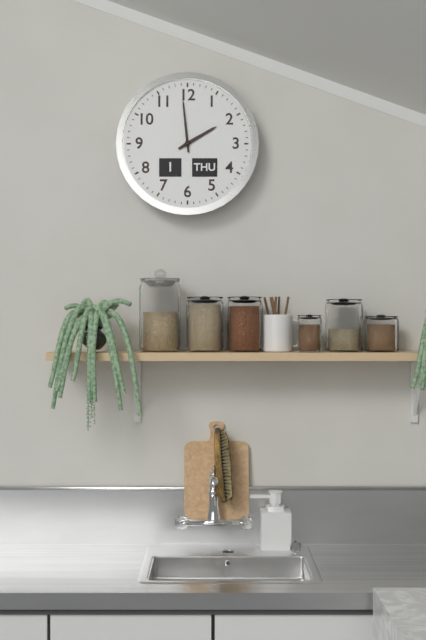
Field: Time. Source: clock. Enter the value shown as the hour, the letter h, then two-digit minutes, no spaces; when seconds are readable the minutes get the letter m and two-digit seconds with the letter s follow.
1h59
